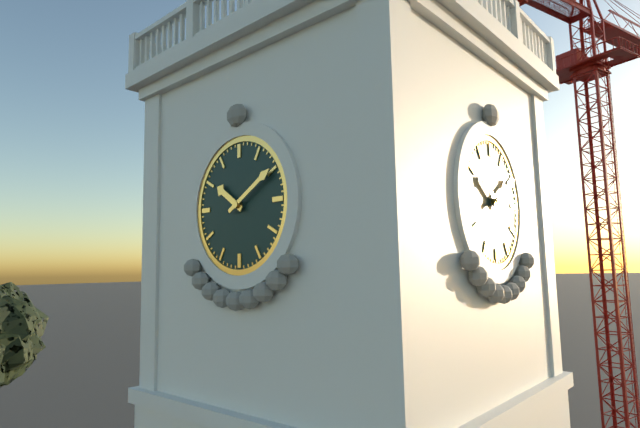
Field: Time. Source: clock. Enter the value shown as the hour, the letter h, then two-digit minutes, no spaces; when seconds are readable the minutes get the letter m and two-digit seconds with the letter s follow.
10h10
